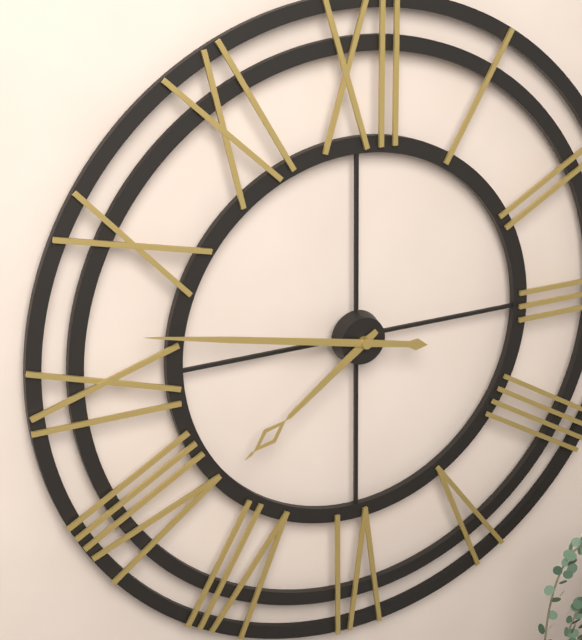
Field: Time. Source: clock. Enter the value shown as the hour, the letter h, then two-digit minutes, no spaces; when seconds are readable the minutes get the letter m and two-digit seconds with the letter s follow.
7h47
